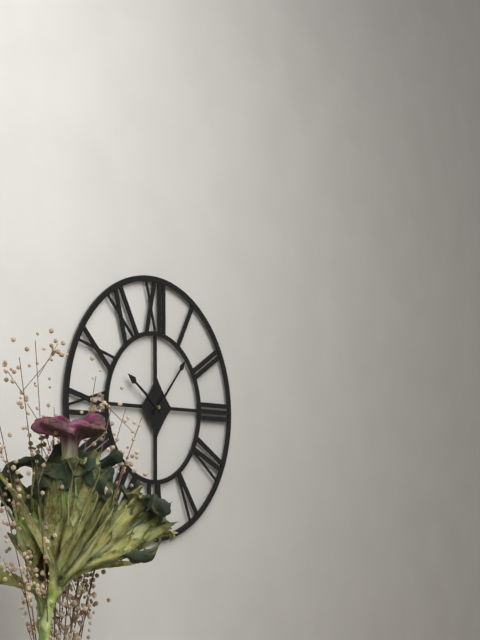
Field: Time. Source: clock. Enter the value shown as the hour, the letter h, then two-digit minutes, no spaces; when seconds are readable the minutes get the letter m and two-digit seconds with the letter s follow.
10h07
